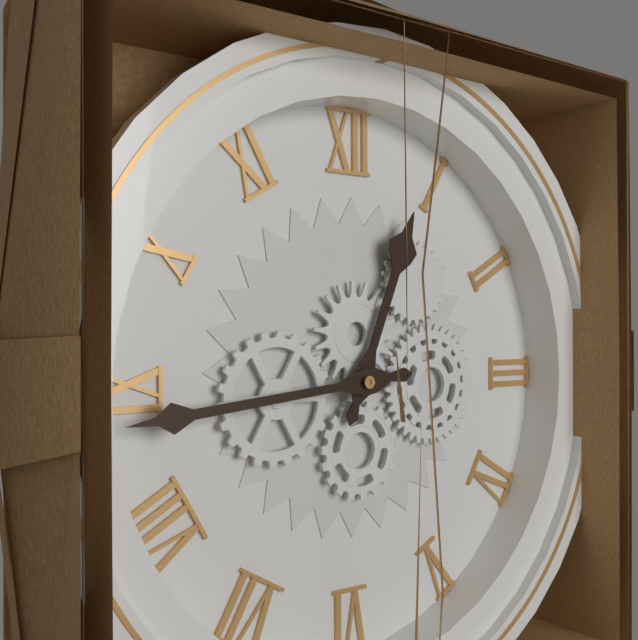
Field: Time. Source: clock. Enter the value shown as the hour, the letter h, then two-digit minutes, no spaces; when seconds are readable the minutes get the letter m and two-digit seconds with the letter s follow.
12h44
